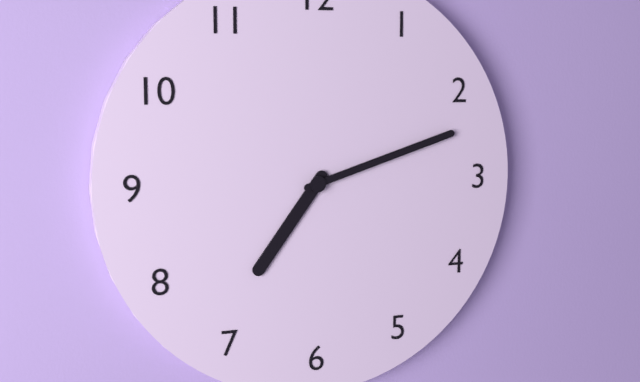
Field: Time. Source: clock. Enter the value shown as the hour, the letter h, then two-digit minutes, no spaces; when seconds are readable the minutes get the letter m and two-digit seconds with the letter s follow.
7h12
